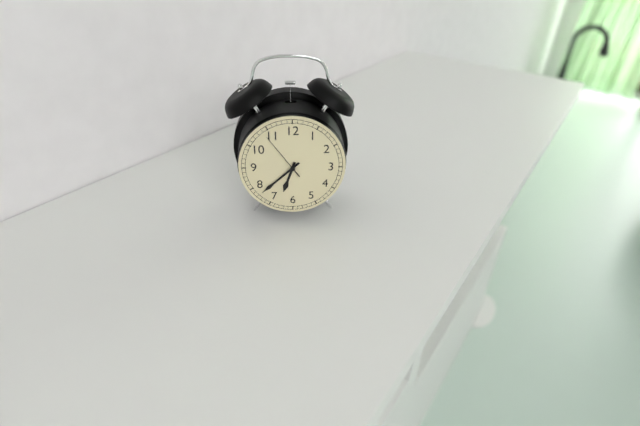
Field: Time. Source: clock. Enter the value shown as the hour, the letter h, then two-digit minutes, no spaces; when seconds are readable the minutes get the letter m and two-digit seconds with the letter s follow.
6h38m54s
